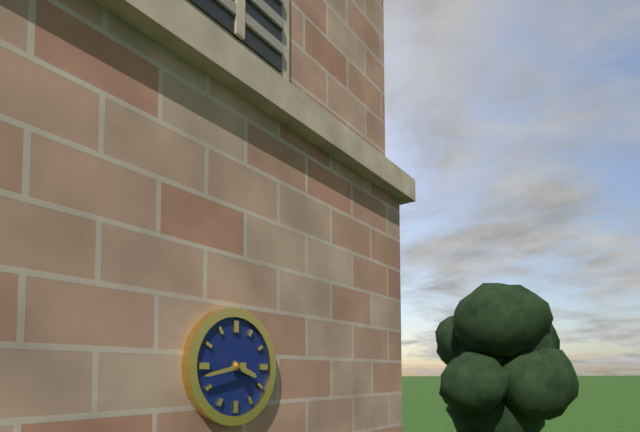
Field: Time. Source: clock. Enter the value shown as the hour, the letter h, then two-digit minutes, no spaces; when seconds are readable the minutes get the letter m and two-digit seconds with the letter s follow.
3h43
